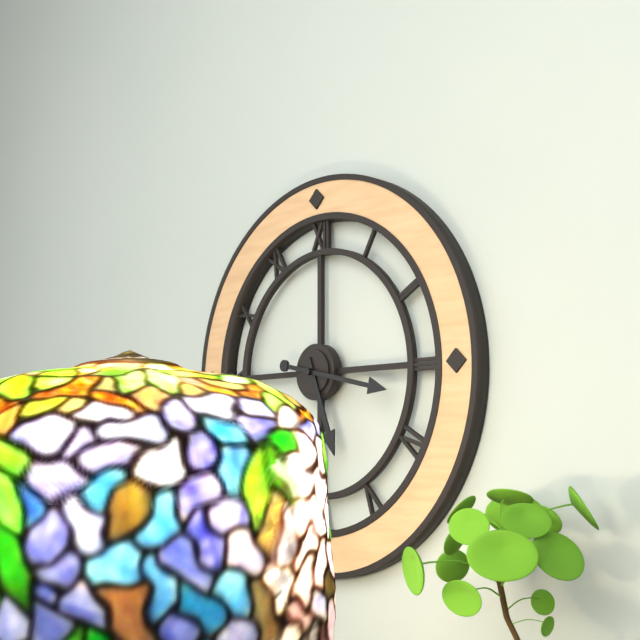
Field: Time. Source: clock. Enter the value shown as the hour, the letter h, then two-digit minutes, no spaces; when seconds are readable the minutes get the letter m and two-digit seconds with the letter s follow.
5h17
